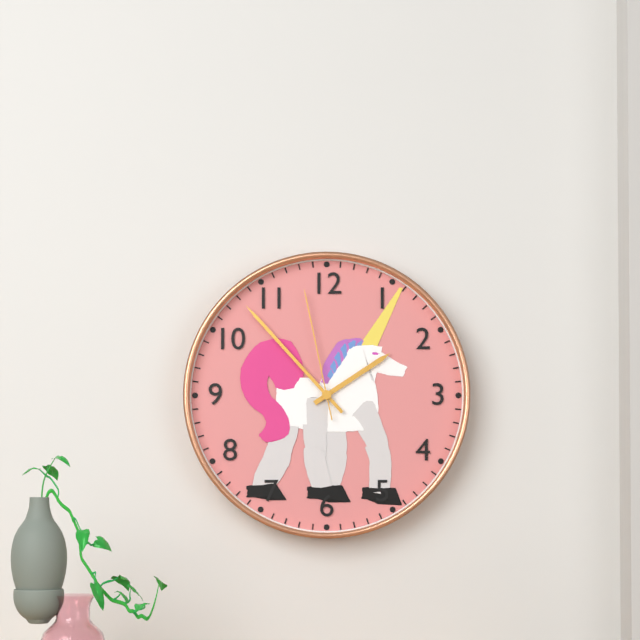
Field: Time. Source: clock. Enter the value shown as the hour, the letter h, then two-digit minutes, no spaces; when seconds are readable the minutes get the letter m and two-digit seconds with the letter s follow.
1h53m58s
